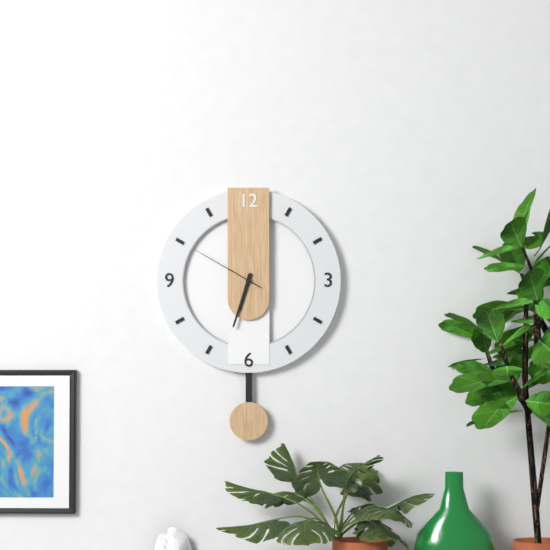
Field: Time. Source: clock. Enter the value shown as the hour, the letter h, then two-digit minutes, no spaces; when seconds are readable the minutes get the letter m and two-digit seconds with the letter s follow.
6h33m50s
